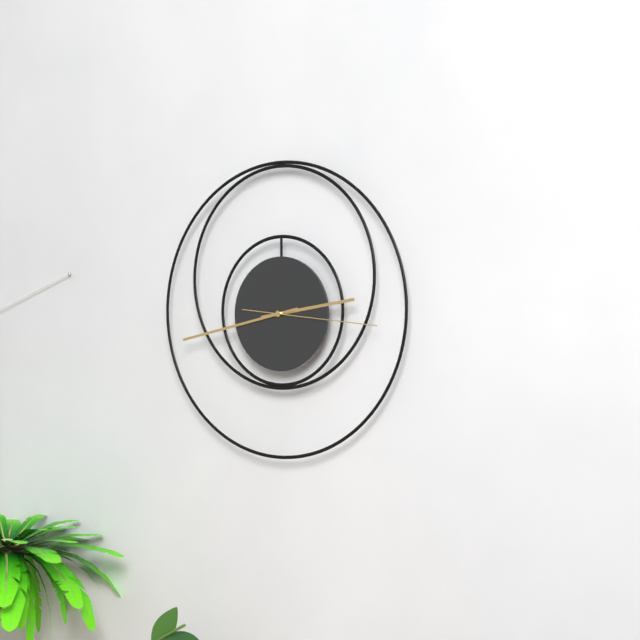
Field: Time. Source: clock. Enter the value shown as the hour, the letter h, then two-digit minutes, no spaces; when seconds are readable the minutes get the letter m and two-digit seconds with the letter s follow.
2h43m16s
